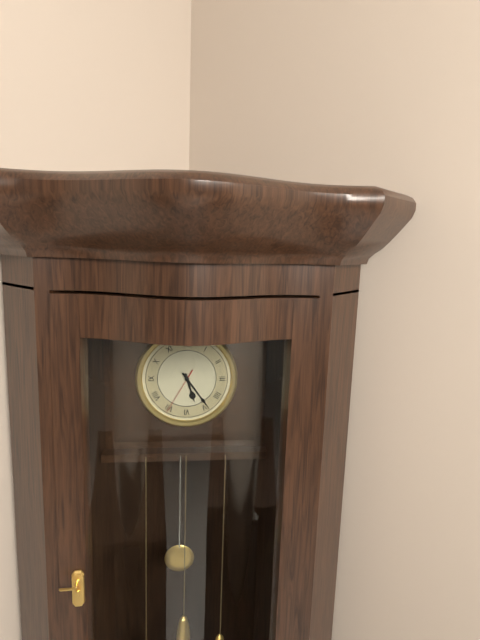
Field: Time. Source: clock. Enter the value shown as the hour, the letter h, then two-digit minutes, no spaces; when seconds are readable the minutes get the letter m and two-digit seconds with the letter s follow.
5h24
